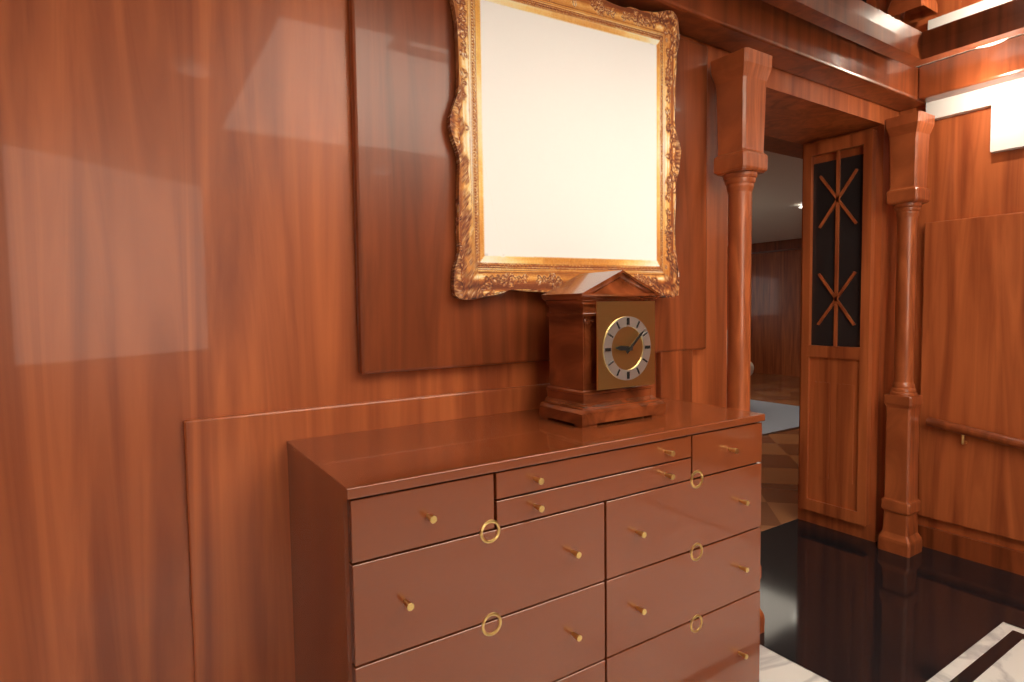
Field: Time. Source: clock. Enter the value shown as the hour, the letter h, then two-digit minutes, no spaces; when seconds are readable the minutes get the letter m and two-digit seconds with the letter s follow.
9h08
